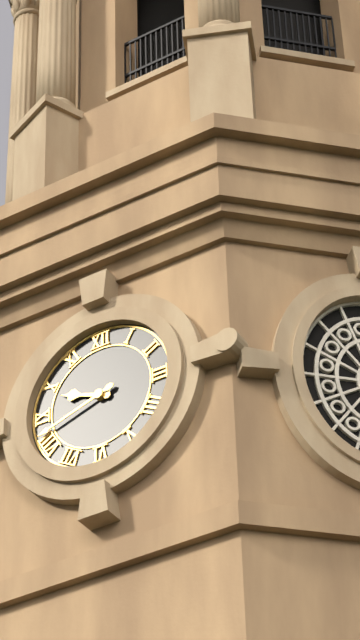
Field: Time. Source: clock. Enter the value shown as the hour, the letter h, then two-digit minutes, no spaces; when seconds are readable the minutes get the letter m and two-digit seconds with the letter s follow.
9h42
